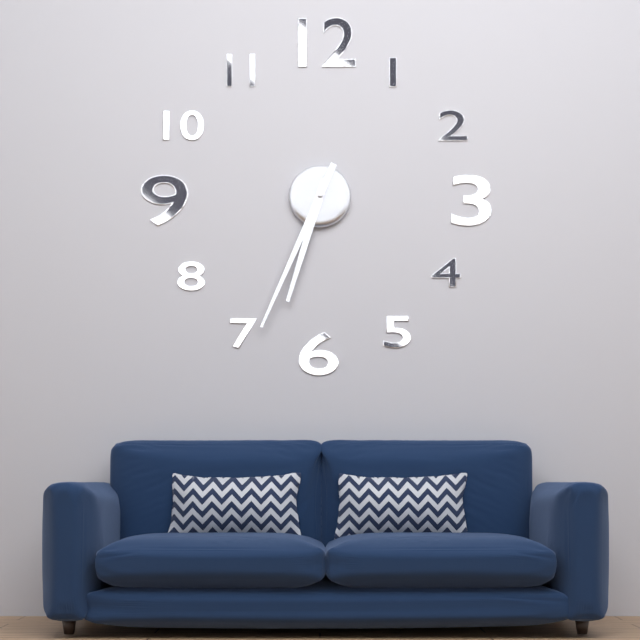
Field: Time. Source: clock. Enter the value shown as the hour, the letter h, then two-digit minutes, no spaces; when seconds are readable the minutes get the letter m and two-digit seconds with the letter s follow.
6h34
